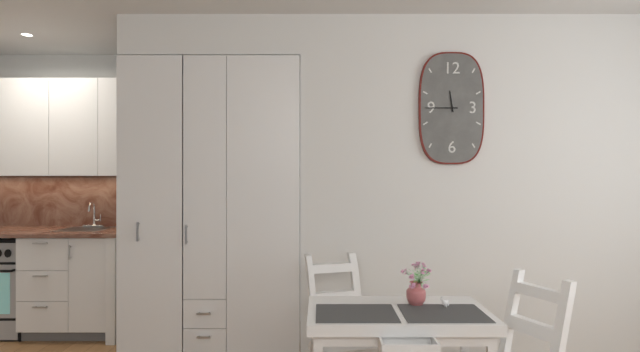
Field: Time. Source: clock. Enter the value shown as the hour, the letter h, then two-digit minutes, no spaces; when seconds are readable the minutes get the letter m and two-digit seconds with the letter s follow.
11h45
